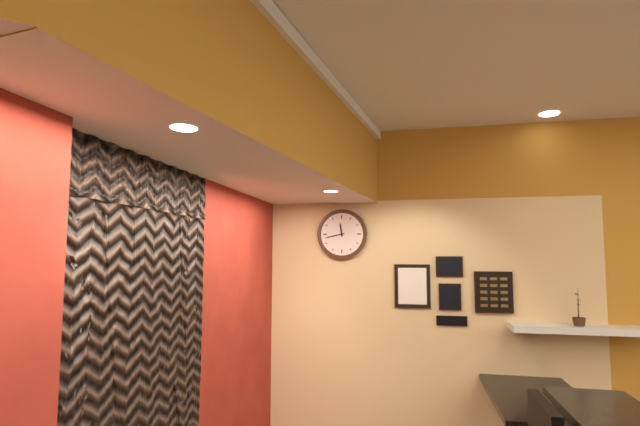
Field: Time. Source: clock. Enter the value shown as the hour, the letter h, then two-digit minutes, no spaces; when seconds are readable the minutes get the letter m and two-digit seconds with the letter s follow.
11h43
